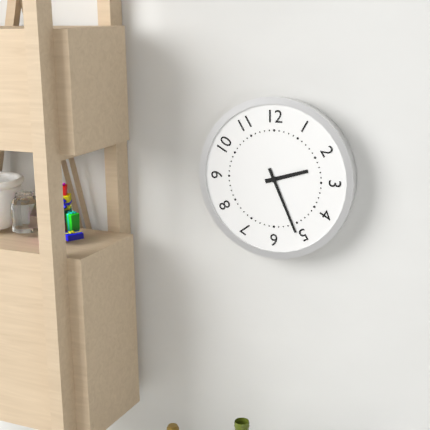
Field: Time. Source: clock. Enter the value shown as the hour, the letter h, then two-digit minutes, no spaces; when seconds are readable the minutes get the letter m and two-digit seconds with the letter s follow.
2h26
